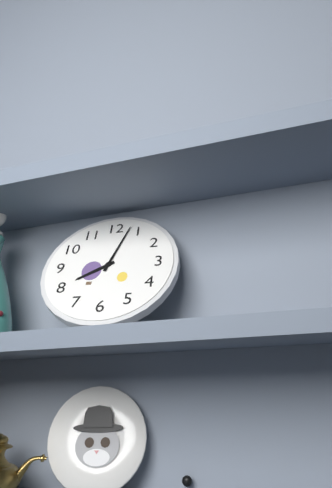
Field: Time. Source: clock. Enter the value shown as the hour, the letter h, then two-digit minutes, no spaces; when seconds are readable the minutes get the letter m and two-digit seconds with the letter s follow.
8h03
